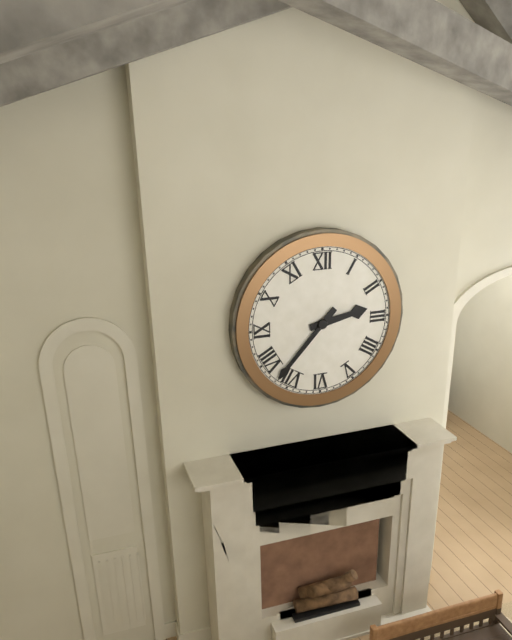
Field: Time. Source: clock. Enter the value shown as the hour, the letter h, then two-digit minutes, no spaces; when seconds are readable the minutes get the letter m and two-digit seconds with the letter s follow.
2h37
